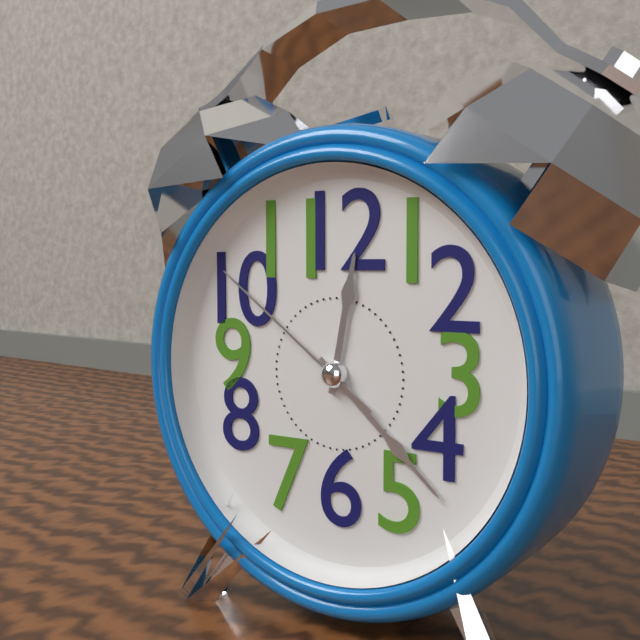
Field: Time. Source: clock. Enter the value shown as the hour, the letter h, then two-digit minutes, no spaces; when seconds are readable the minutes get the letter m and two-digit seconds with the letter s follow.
12h22m51s
